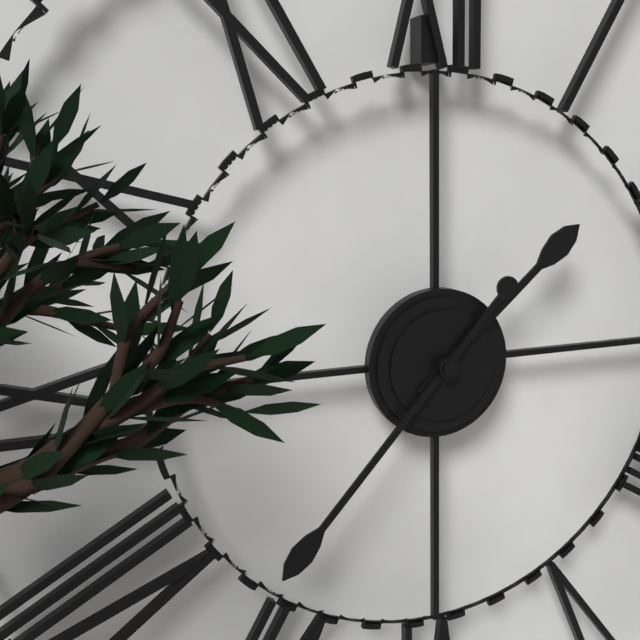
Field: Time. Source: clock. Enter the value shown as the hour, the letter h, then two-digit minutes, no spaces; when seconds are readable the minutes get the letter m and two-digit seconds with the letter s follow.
1h37
